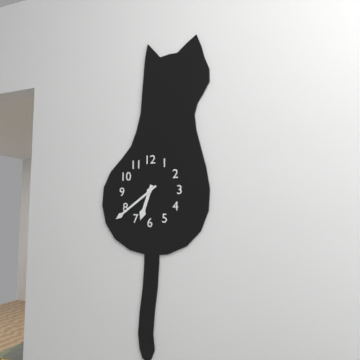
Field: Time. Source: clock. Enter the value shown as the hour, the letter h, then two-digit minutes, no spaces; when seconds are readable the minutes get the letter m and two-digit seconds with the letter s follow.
6h39
